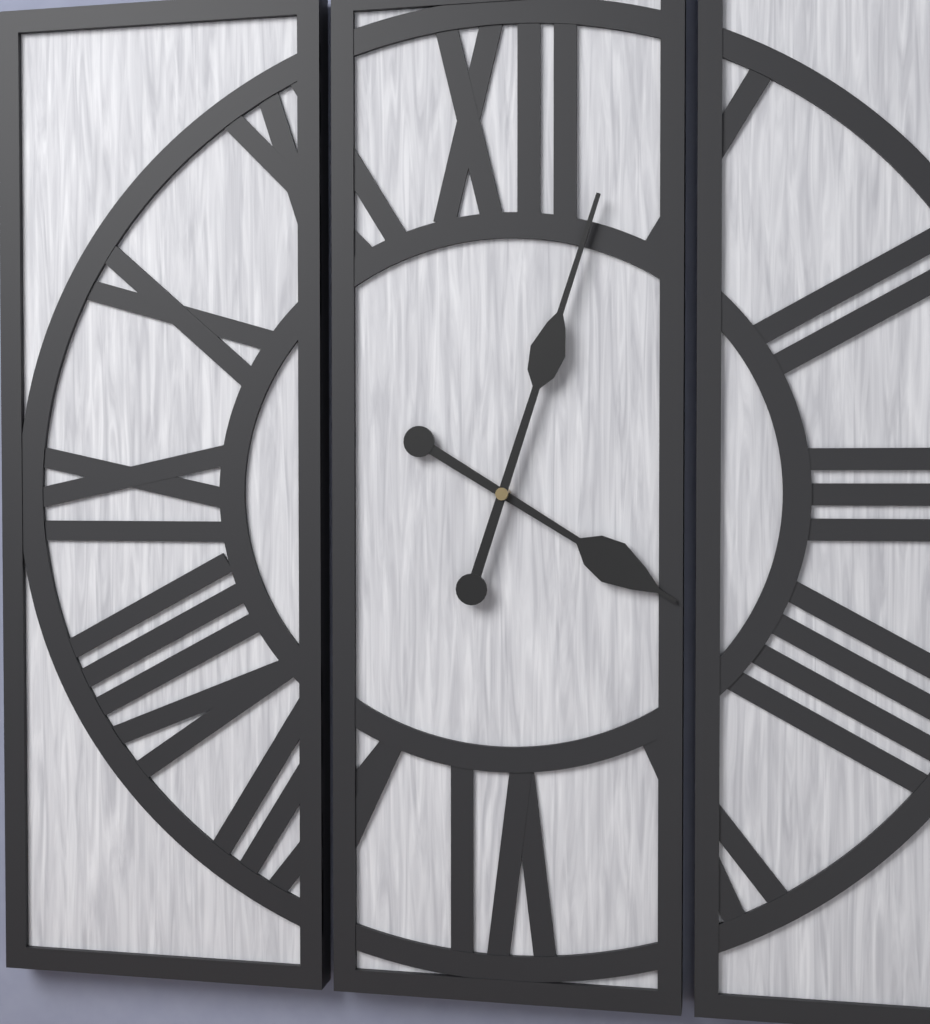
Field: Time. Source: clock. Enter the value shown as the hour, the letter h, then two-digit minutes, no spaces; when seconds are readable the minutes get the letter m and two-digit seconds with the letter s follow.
4h03
